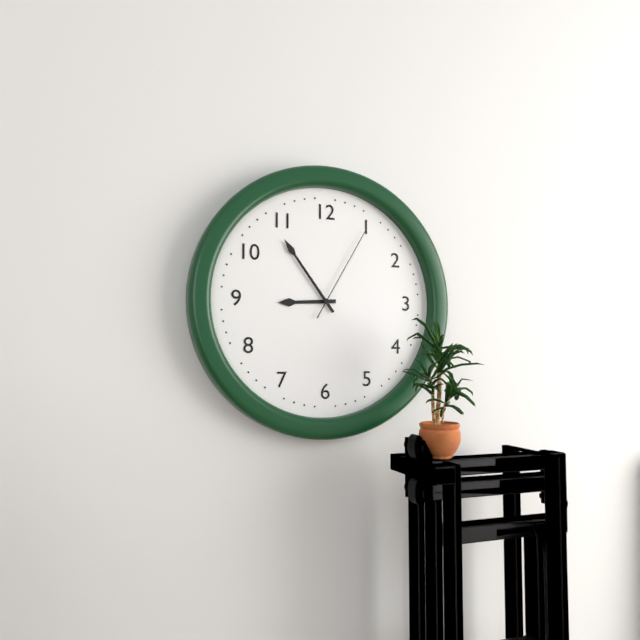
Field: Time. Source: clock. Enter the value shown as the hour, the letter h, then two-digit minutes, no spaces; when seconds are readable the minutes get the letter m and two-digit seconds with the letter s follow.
8h54m05s
